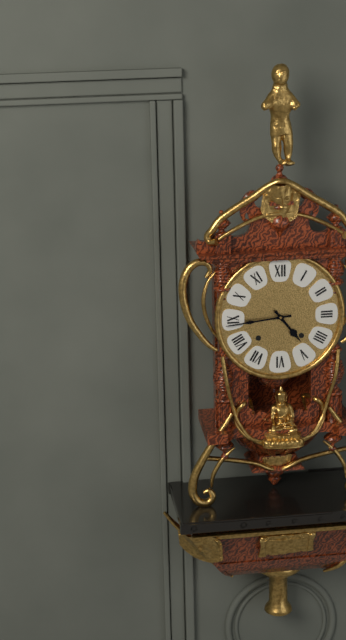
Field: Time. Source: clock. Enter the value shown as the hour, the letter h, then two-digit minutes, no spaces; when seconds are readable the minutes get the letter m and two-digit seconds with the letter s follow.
4h44
